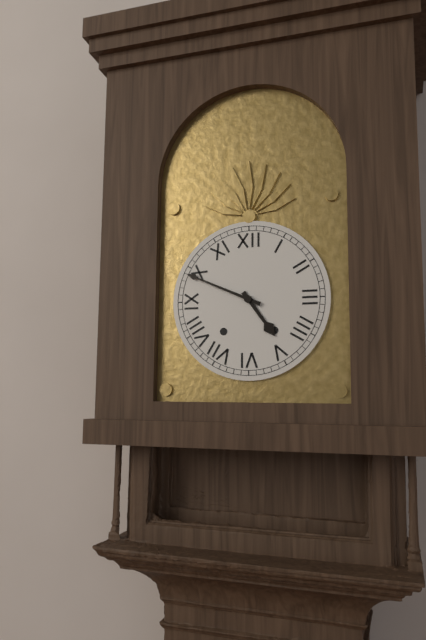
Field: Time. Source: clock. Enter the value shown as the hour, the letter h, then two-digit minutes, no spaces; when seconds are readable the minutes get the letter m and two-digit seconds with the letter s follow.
4h49
